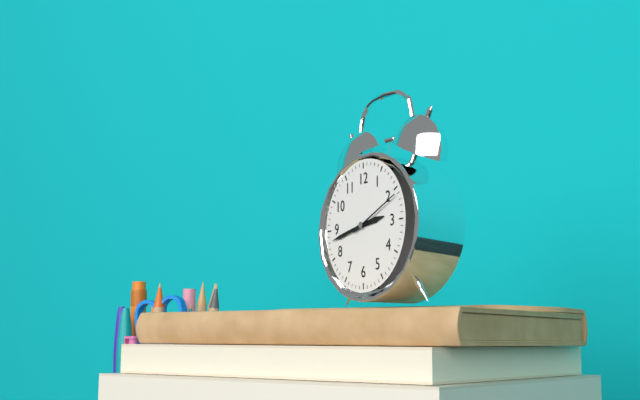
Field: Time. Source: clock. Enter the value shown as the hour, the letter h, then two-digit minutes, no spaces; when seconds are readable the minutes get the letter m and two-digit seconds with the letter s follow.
2h43m11s
